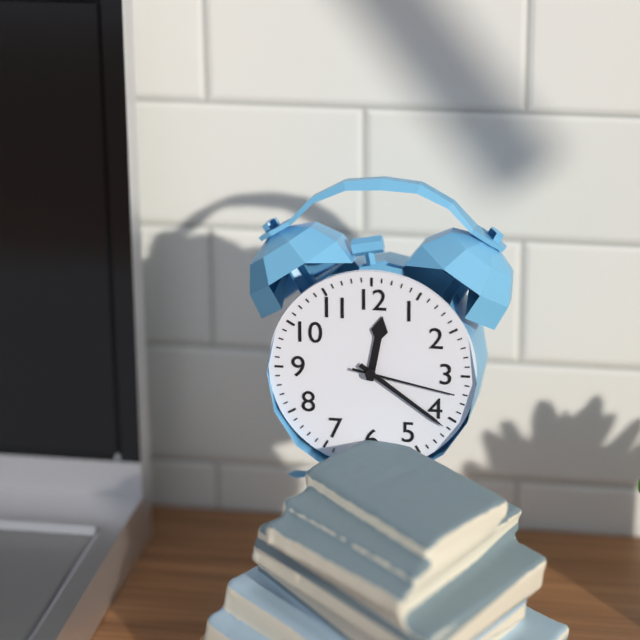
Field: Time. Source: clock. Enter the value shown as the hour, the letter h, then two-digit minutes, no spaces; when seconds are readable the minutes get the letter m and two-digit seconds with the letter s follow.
12h21m17s
